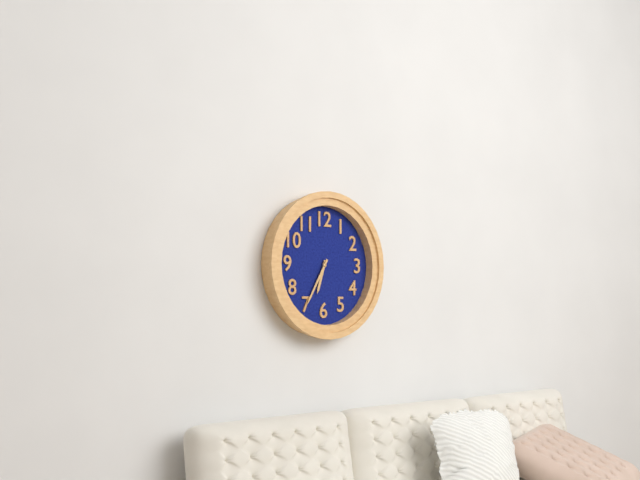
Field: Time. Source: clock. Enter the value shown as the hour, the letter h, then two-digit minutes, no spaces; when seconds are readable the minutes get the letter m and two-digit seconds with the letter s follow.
6h35
